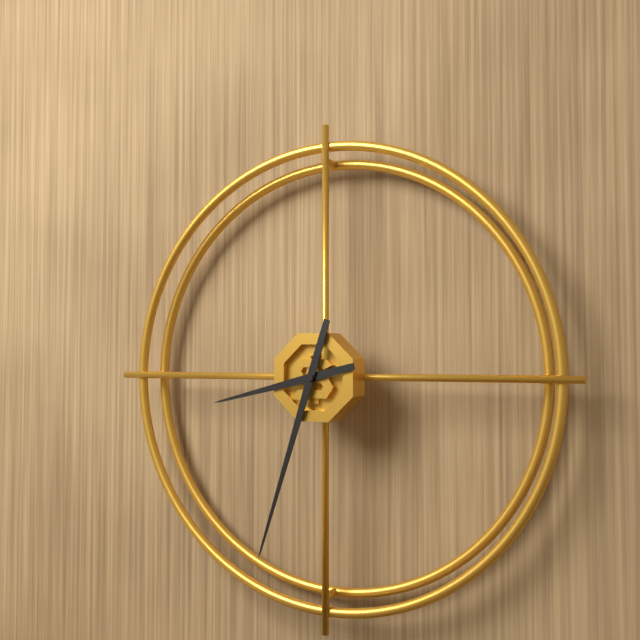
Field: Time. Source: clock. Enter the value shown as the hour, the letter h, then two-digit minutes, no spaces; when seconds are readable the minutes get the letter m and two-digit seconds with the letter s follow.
8h33
